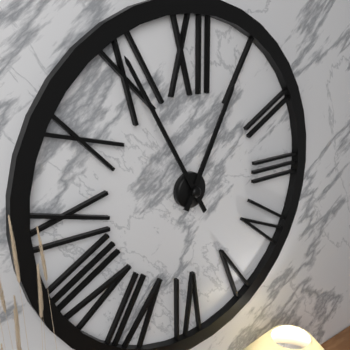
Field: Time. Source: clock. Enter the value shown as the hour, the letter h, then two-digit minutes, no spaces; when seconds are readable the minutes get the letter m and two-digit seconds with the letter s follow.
12h55
